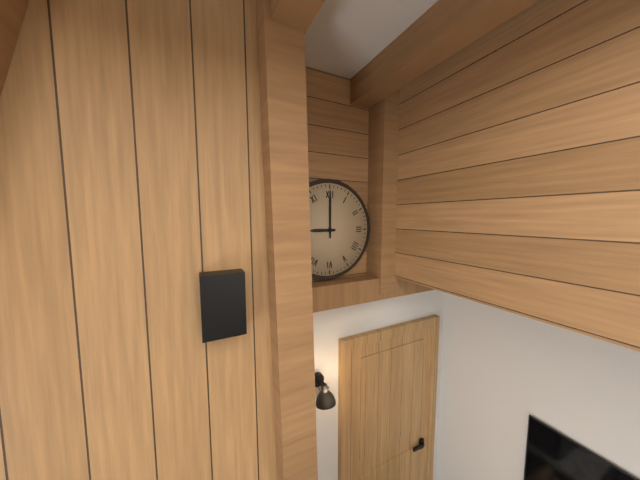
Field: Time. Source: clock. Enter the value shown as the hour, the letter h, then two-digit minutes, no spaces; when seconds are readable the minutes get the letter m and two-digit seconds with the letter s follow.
9h00
